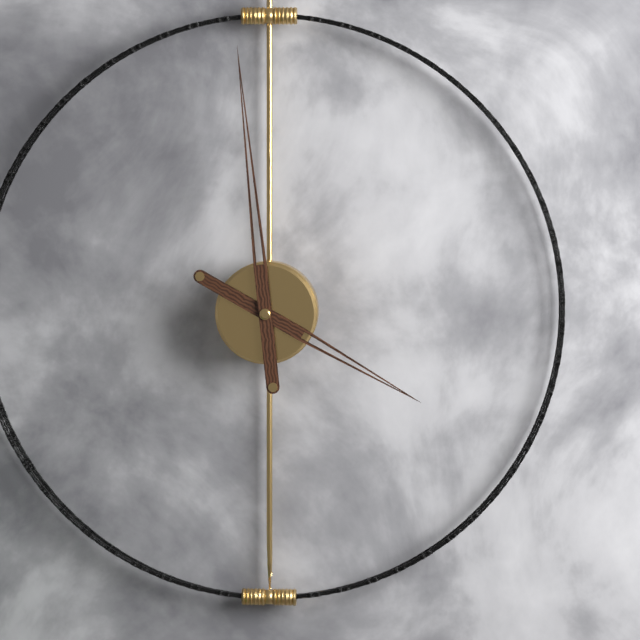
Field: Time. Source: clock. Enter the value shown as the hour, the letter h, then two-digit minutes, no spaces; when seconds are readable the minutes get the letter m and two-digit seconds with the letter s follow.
3h59
